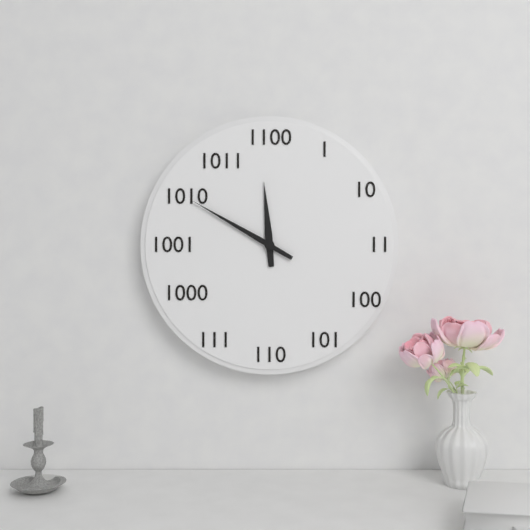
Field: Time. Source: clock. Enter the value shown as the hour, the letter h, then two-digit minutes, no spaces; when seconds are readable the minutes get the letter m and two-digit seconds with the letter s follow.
11h50
